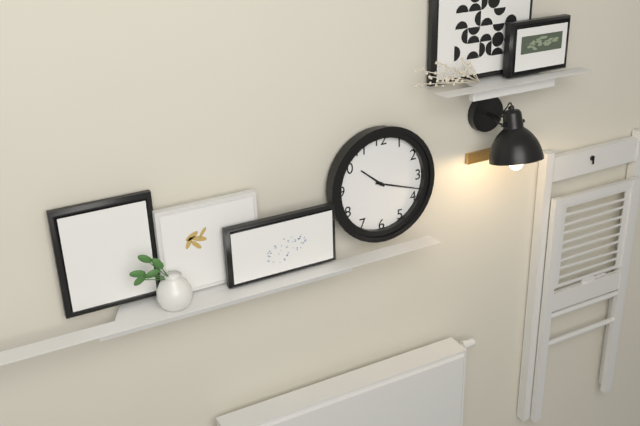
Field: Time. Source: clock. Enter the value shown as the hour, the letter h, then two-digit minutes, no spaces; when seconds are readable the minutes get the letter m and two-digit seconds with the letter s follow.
10h18
